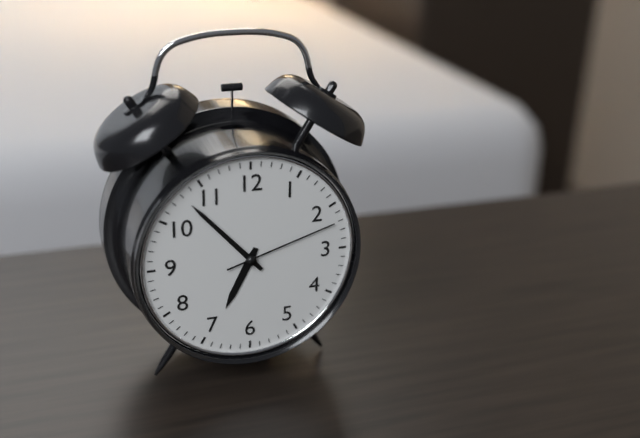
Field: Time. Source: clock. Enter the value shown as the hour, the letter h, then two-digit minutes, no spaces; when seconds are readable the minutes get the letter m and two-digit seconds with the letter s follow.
6h53m12s
